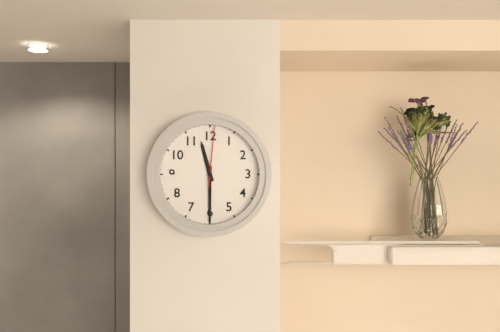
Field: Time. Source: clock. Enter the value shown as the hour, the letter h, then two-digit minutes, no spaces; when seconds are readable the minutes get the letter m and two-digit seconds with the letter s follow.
11h30m01s
